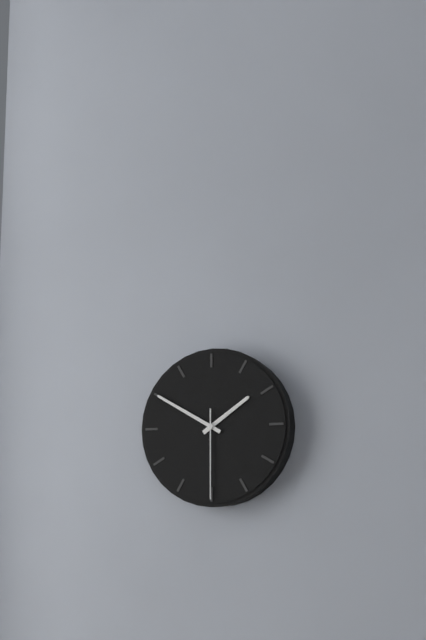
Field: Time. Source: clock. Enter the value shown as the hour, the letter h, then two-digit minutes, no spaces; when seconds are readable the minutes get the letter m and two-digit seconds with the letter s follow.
1h50m30s
